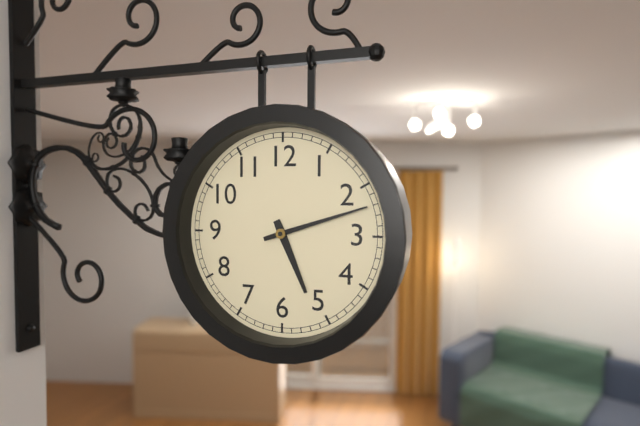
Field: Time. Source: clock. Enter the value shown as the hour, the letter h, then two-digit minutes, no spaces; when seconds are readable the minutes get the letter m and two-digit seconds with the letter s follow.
5h12
